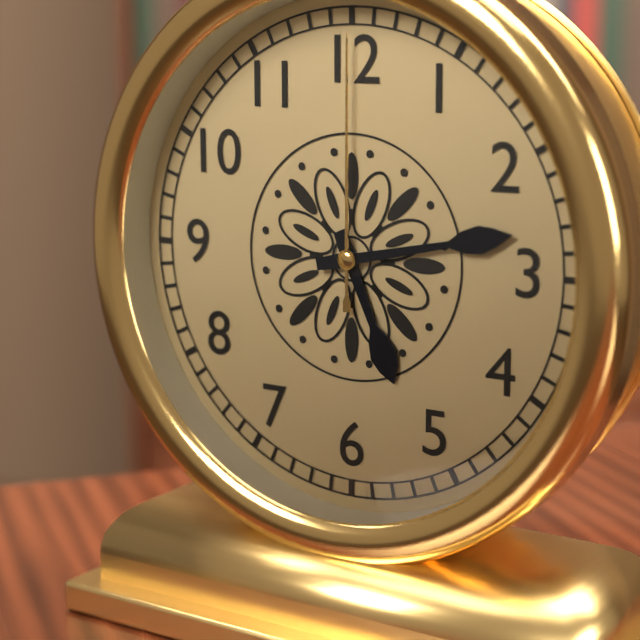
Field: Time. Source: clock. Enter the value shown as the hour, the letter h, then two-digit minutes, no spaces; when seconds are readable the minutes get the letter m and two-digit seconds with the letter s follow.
5h13m00s
